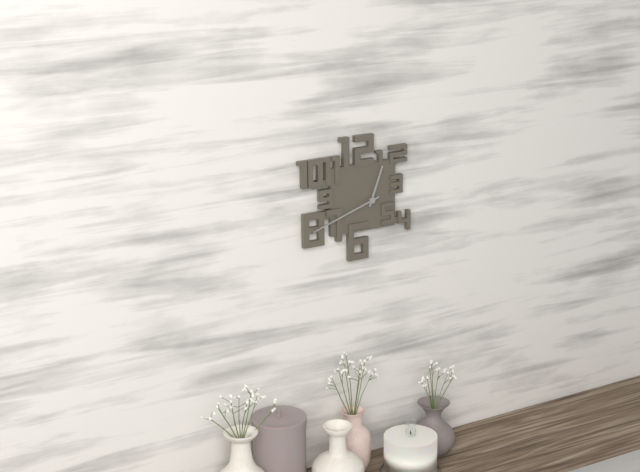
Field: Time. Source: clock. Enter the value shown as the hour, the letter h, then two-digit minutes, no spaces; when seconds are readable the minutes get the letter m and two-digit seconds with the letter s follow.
12h42
